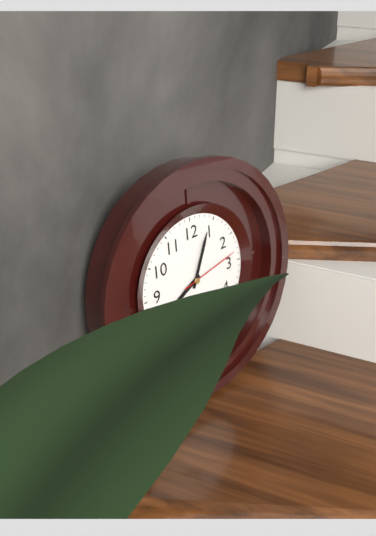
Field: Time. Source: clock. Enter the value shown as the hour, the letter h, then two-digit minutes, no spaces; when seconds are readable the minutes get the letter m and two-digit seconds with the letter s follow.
8h04m13s
